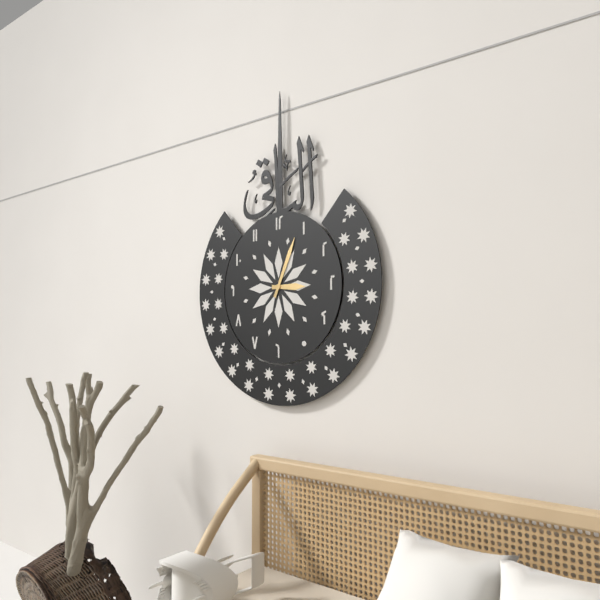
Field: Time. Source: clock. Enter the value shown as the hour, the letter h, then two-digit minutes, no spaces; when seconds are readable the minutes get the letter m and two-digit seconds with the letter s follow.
3h04
